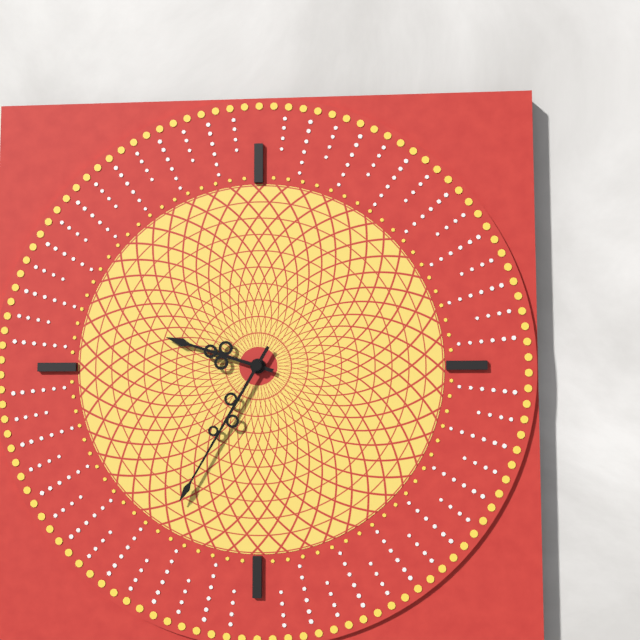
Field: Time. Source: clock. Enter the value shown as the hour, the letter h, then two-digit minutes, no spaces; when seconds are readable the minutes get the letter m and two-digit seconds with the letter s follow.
9h35
